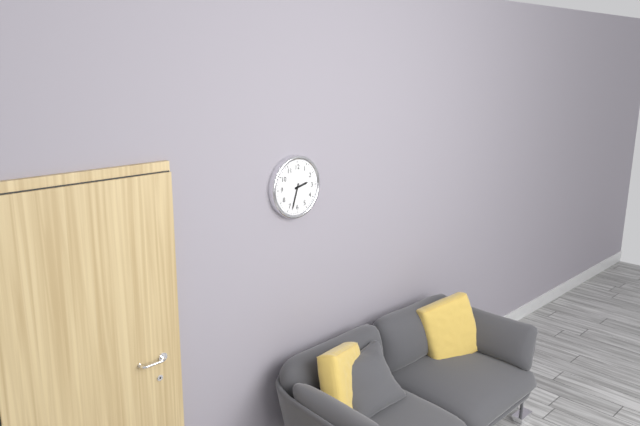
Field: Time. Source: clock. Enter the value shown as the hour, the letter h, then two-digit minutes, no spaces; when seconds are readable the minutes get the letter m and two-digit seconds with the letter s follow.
2h33
